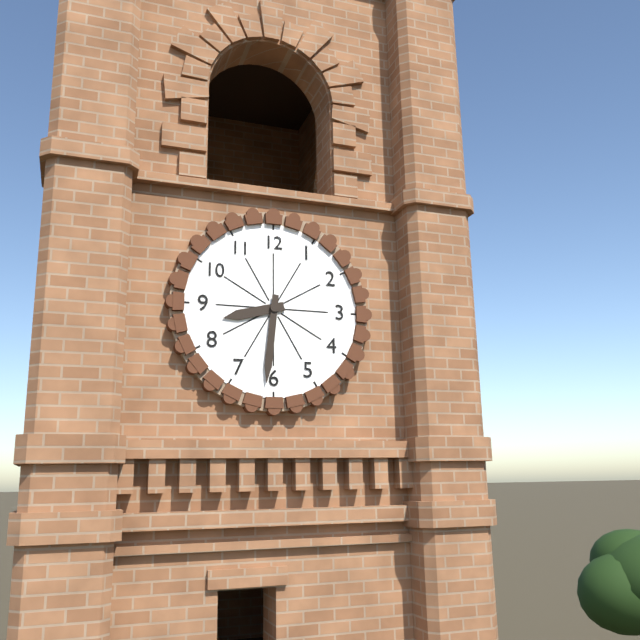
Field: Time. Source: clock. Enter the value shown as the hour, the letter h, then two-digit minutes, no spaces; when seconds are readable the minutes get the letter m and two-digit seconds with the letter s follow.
8h31
